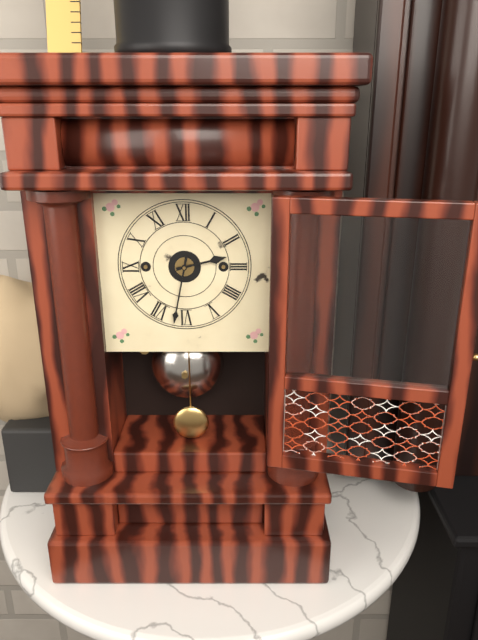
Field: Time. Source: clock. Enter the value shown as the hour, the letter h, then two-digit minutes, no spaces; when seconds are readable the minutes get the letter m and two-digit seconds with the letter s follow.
2h32
